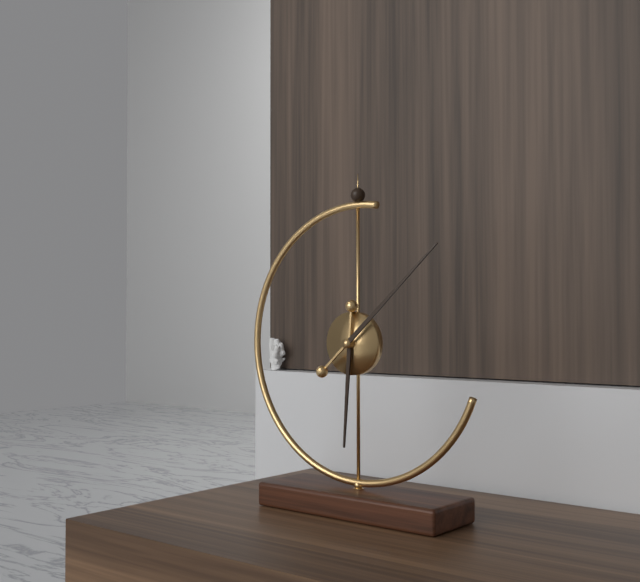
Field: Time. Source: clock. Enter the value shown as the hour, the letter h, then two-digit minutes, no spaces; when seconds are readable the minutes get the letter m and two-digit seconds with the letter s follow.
6h08
